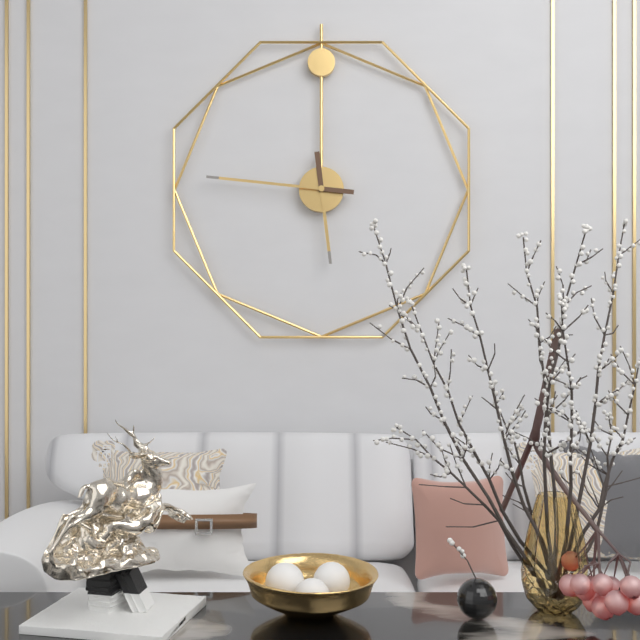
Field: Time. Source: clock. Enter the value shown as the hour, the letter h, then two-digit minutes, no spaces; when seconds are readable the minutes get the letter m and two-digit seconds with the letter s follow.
5h46
